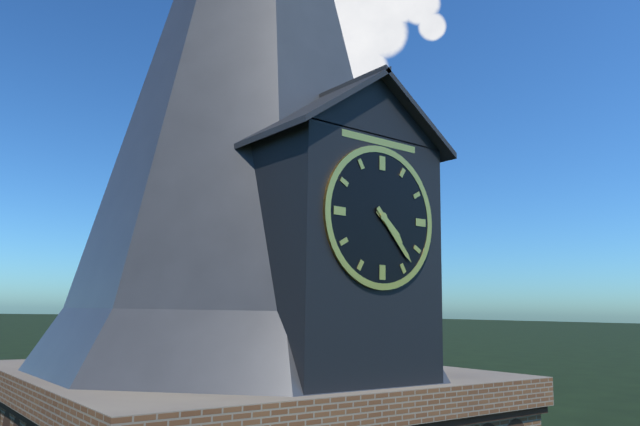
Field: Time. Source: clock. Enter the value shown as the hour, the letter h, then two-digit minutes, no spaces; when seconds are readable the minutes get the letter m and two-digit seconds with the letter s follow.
4h23
